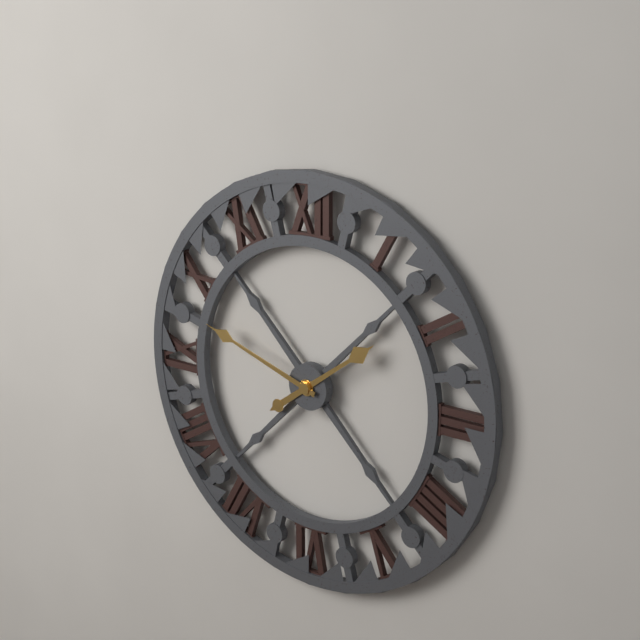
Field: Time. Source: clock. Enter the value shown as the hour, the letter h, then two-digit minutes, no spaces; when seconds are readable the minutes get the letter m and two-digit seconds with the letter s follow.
1h48
